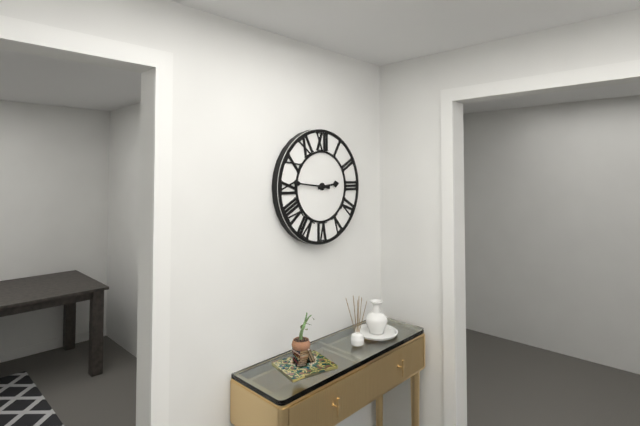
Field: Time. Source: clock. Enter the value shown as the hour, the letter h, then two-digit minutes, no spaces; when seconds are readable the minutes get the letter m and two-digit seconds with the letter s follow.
2h46
